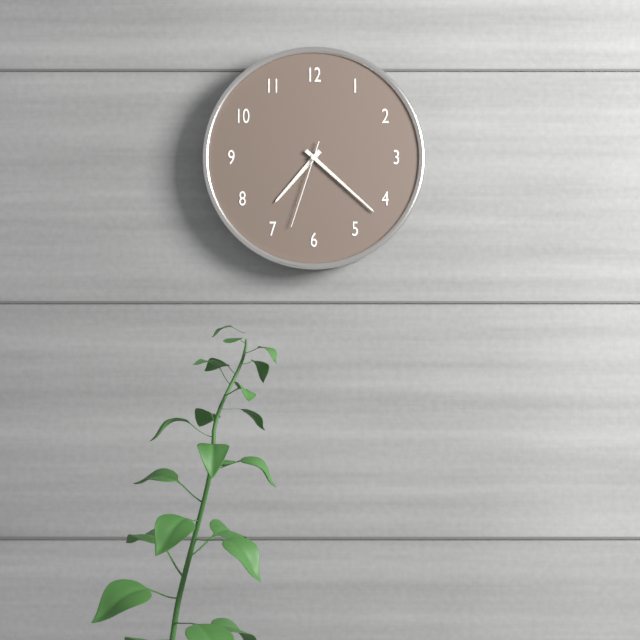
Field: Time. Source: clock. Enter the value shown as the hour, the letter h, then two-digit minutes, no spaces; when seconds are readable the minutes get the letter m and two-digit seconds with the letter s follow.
7h22m33s
